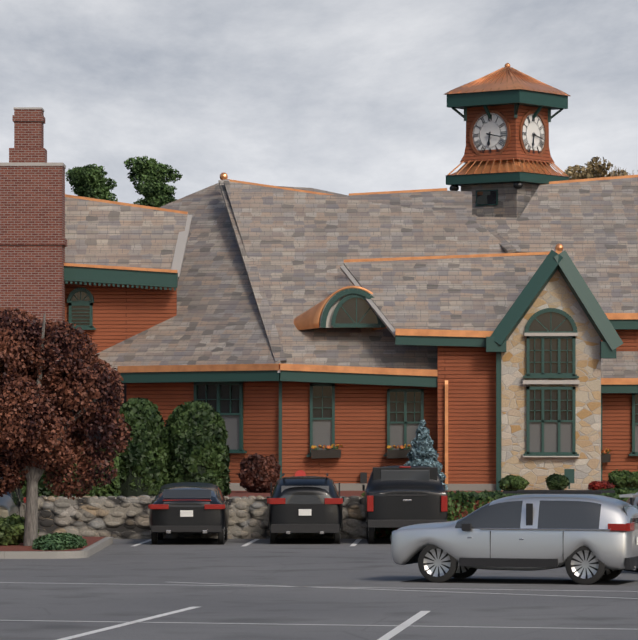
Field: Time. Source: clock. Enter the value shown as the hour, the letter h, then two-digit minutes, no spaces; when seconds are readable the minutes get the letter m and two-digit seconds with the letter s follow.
6h17
